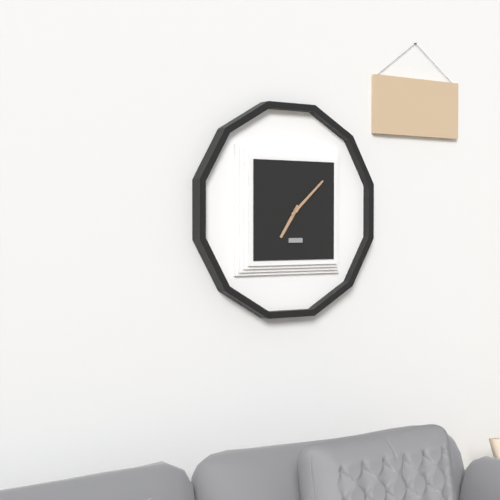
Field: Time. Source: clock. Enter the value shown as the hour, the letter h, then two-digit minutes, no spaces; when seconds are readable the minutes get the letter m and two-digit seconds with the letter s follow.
7h08
